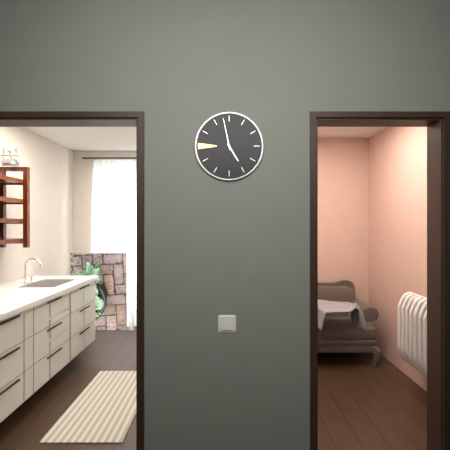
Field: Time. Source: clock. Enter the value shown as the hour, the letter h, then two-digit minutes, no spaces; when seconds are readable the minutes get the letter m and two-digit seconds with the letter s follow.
4h58
